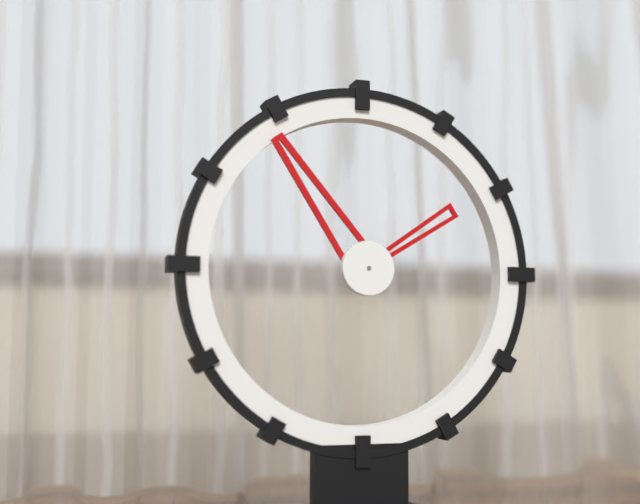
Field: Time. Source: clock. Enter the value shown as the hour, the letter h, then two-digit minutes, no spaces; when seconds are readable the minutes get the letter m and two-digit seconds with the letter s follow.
1h54
